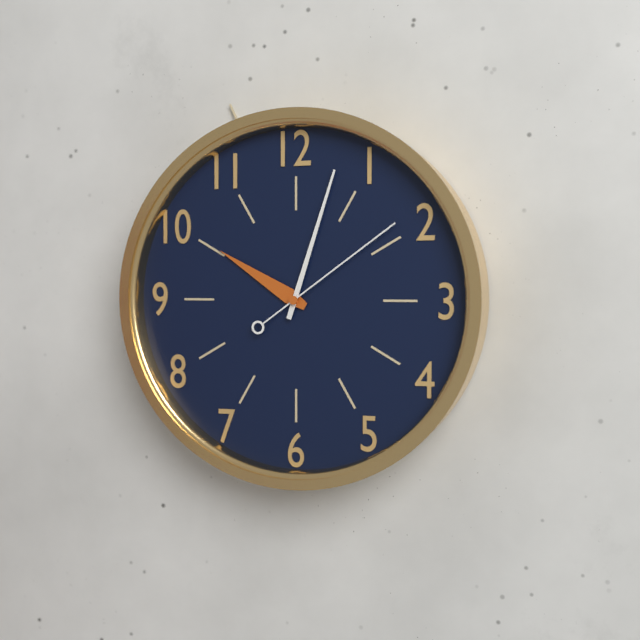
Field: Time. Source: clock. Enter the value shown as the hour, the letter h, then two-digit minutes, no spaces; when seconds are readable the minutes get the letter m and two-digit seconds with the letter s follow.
10h03m09s
